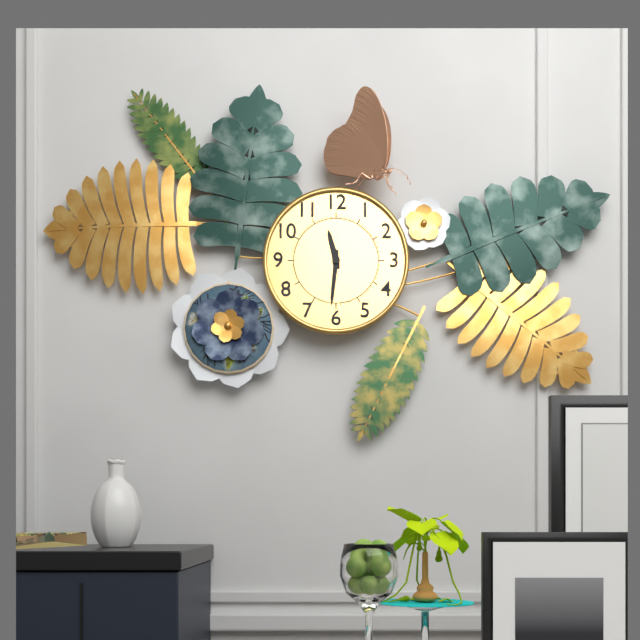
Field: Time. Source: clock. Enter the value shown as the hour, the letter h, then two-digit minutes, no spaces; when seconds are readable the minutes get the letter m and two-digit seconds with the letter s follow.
11h31
